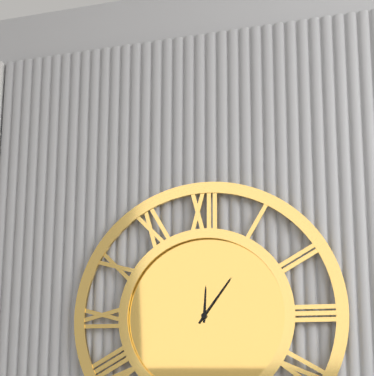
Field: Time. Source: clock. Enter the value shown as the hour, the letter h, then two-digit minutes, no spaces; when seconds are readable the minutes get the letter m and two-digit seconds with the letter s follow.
12h06
